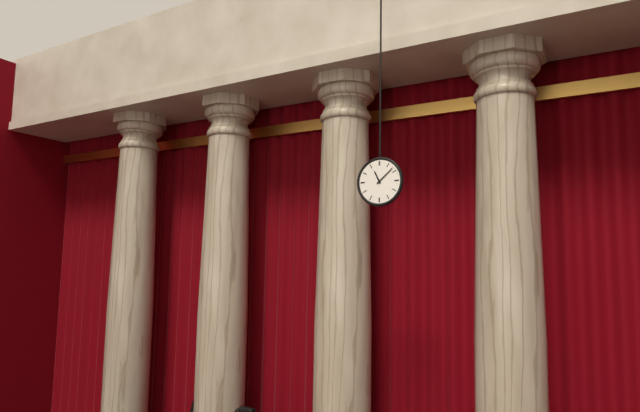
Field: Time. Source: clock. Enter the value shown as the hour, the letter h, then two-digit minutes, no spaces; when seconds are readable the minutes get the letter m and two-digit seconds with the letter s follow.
11h08
